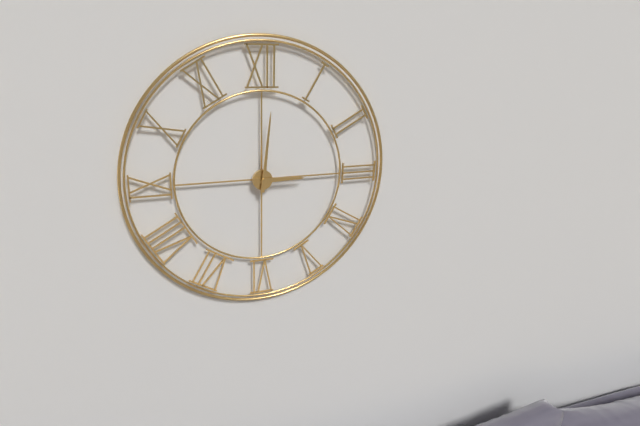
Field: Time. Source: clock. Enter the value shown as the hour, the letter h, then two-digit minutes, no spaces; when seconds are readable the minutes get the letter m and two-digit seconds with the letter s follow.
3h01
